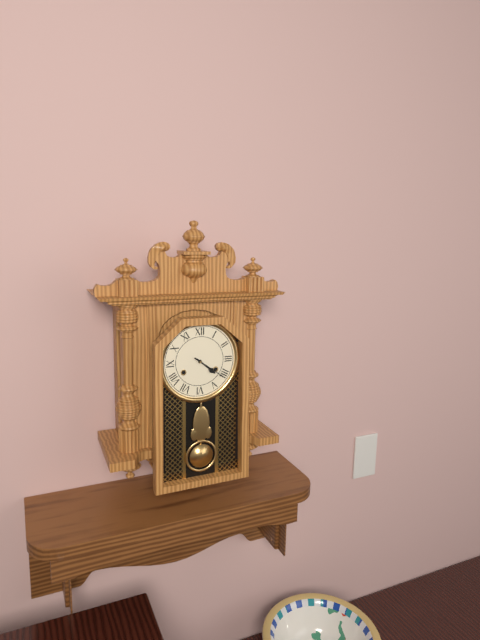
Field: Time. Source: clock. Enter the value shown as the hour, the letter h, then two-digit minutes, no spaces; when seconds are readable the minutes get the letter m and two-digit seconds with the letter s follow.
4h21
